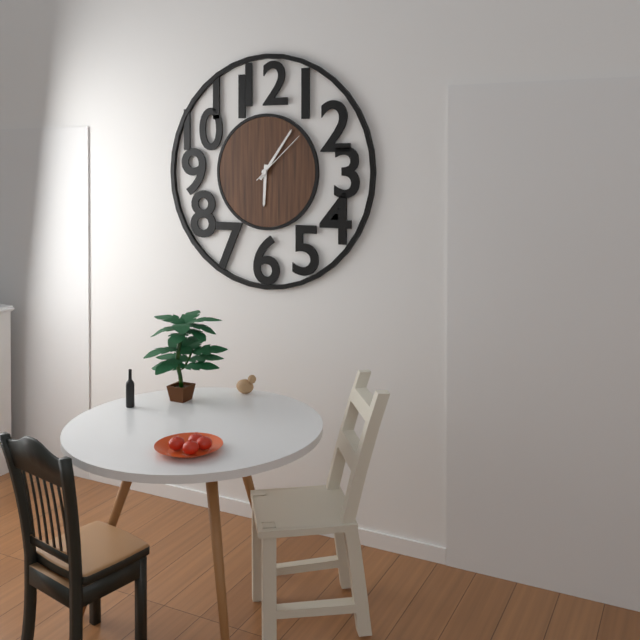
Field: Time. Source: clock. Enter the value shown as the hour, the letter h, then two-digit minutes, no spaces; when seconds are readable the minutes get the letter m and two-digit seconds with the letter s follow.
6h06m08s
